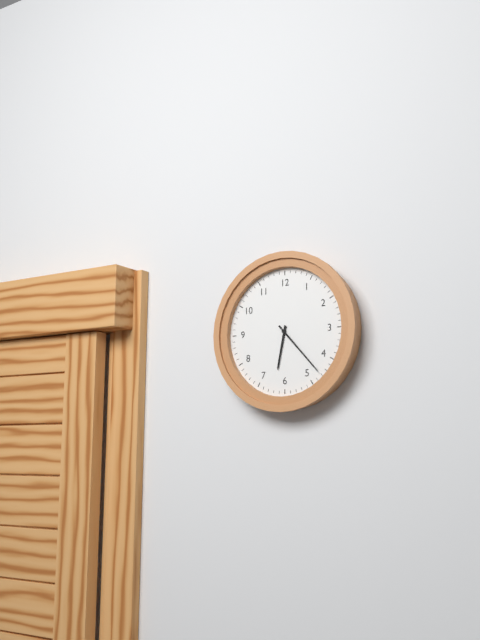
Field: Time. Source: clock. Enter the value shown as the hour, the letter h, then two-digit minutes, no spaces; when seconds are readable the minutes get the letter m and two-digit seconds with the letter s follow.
6h23
